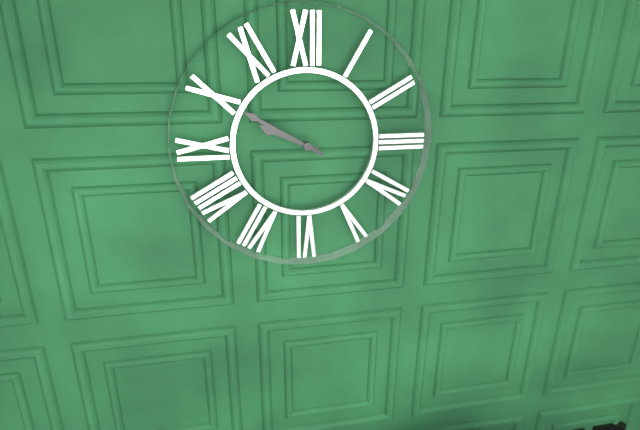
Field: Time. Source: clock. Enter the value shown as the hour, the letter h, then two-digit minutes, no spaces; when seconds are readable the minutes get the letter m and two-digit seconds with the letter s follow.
9h50
